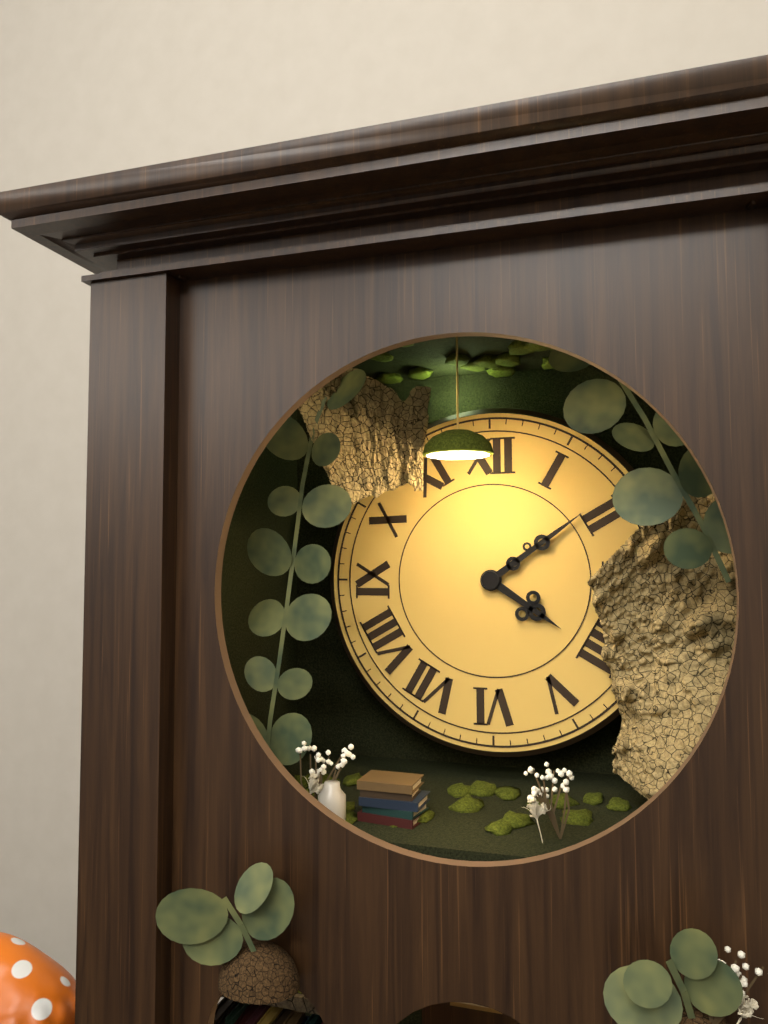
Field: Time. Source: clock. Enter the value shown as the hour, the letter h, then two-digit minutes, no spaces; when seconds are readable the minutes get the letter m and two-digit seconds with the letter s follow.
4h09
